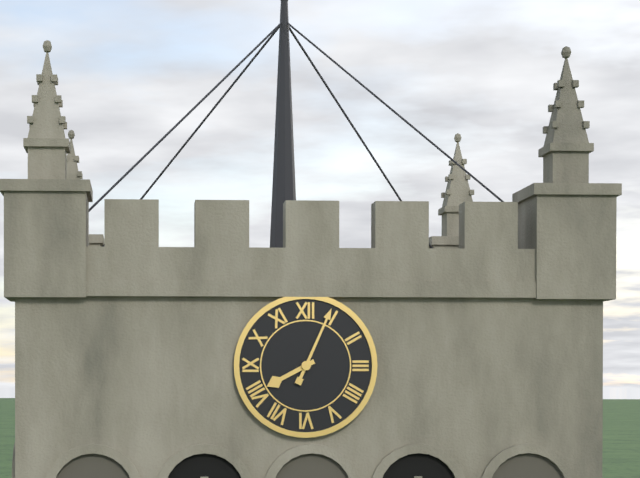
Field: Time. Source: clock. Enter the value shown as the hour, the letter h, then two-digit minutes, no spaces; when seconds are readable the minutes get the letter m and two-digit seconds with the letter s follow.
8h04
